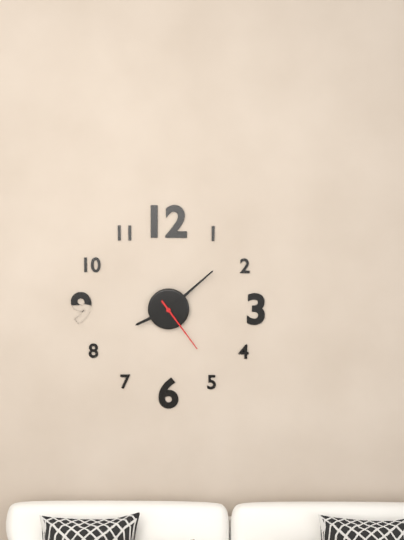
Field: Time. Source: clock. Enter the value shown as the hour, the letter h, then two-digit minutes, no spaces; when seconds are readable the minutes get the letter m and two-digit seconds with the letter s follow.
8h08m24s
